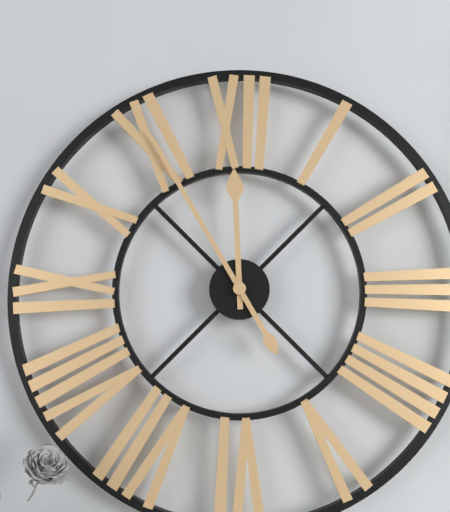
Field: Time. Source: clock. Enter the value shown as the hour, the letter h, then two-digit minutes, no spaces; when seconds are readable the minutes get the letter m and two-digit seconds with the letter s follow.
11h55
